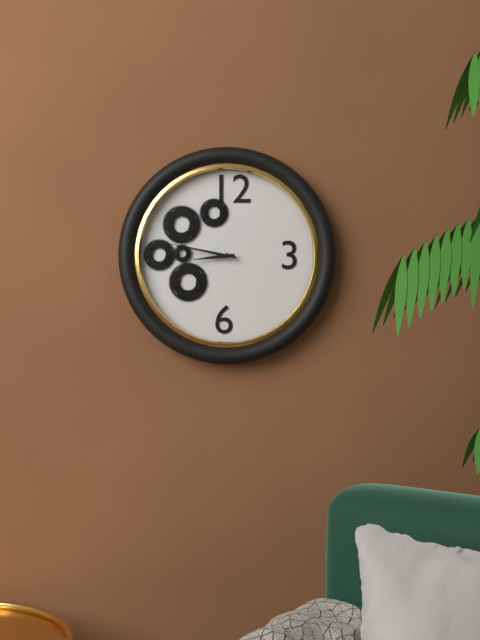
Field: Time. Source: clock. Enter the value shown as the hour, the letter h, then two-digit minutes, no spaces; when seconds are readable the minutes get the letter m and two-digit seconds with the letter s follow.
8h47
